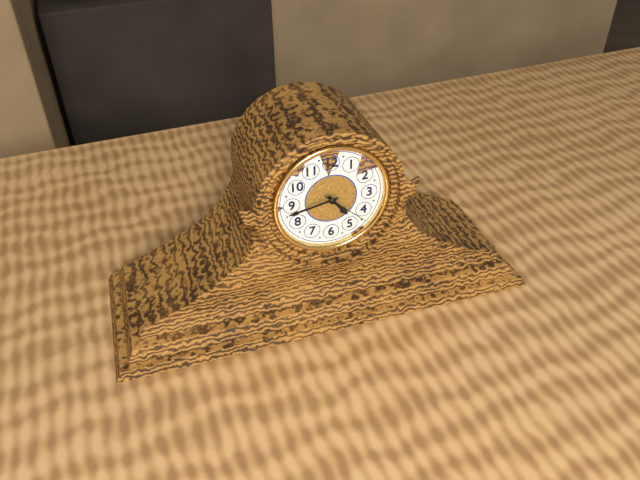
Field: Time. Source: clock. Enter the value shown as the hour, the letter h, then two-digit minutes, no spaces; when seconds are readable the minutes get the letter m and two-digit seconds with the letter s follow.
4h43m22s
